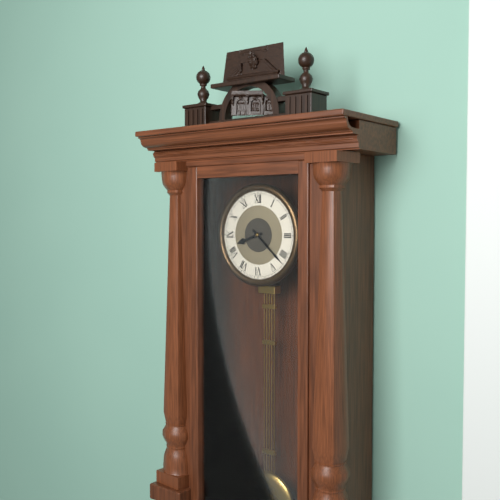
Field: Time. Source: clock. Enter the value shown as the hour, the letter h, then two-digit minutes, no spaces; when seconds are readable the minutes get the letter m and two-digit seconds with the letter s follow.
8h22
